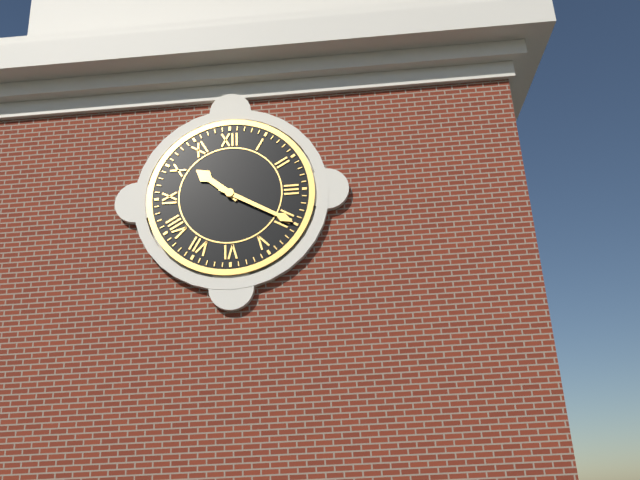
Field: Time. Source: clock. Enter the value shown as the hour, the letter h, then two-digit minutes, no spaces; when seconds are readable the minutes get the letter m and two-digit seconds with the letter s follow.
10h20
